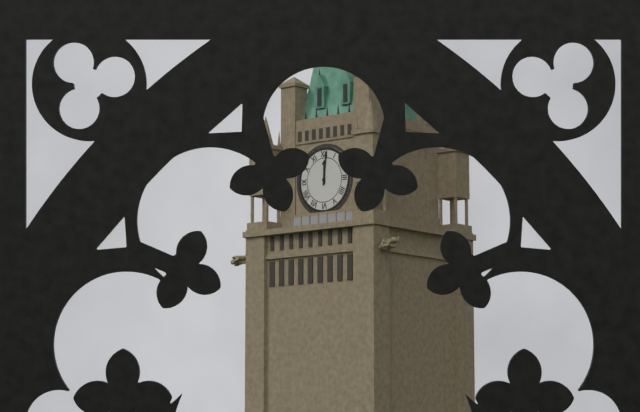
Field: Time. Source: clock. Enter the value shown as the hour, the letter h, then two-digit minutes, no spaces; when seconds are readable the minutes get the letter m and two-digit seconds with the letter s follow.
12h01
